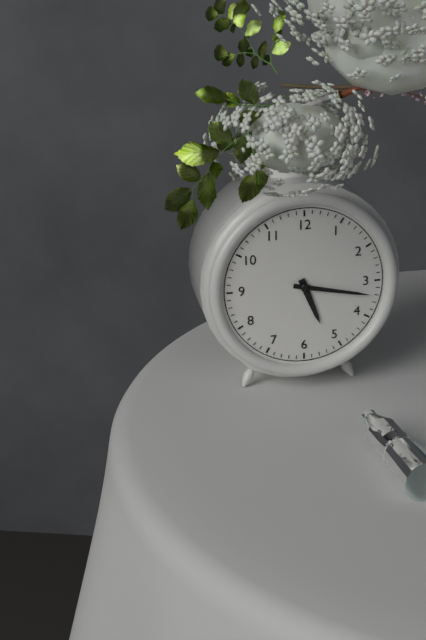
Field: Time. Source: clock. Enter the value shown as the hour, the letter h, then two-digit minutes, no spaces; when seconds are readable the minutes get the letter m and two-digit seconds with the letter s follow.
5h17
